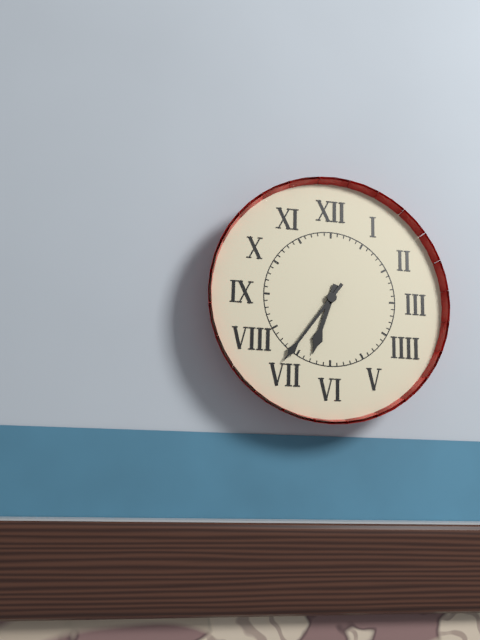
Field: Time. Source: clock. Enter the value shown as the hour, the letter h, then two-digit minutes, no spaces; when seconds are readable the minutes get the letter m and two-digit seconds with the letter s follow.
6h36
